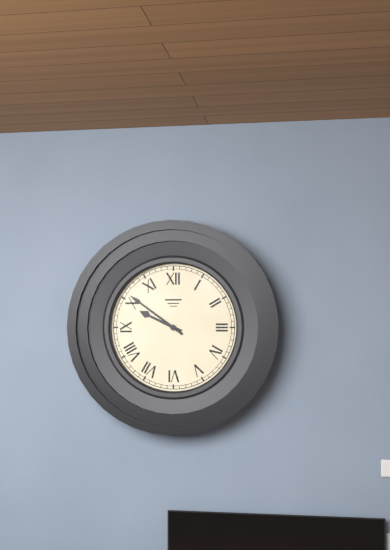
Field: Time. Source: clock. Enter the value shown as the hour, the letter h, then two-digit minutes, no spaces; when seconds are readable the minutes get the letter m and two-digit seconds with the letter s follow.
9h51
